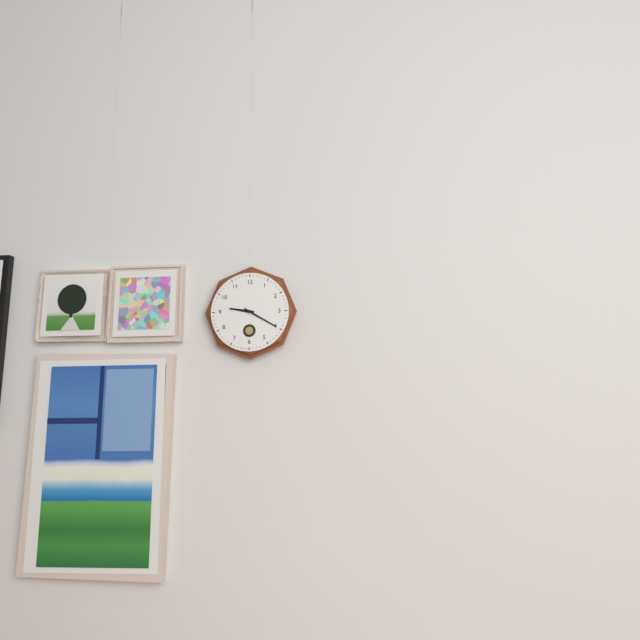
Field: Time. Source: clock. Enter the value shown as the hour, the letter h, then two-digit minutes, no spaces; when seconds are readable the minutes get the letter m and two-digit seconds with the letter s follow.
9h20
